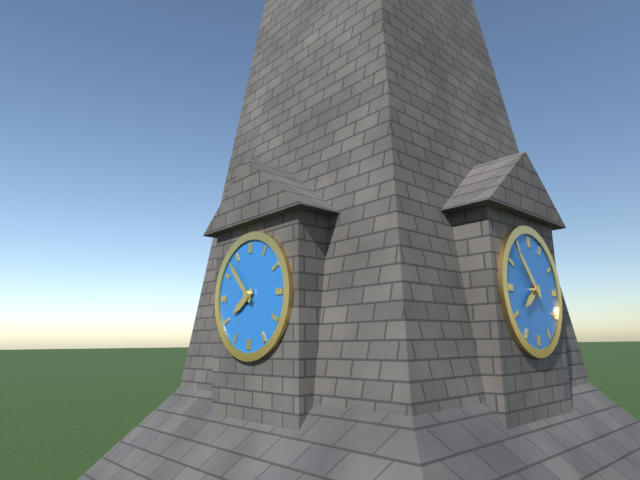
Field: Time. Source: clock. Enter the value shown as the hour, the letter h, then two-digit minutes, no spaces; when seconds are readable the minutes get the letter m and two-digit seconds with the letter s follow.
7h53
